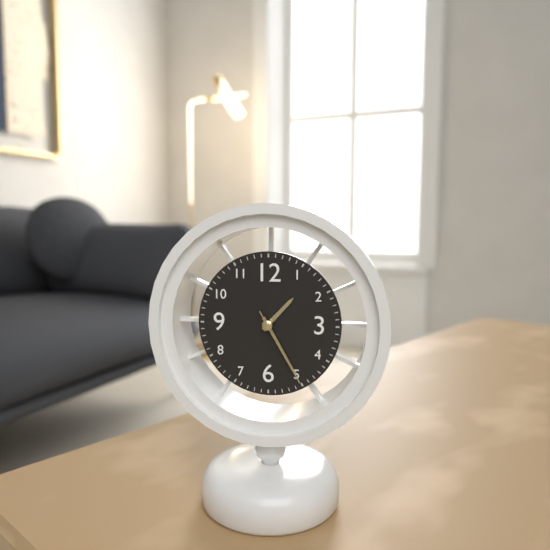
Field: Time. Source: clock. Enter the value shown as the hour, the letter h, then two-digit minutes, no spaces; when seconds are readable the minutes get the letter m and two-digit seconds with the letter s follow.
1h25m25s
